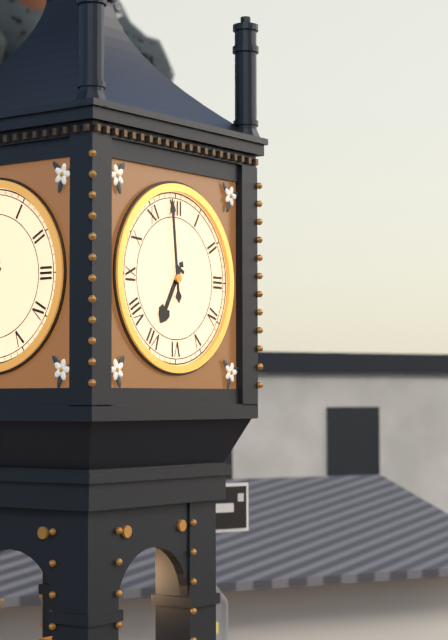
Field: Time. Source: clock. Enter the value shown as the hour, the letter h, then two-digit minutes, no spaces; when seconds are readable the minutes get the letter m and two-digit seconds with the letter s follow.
6h59
